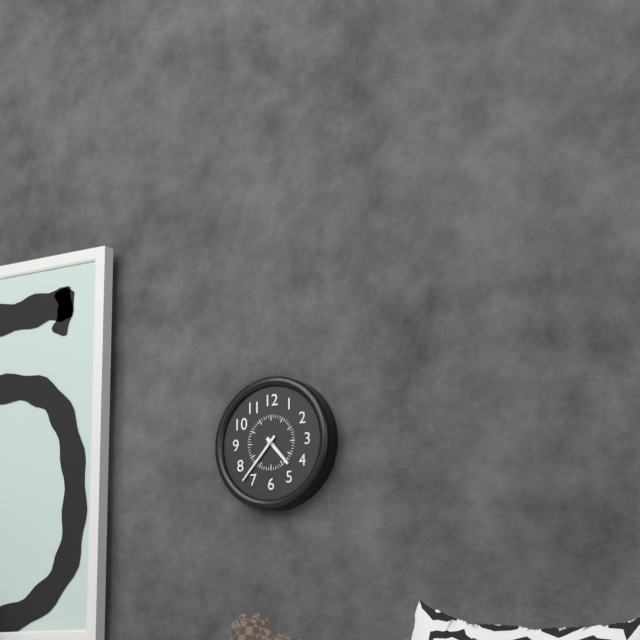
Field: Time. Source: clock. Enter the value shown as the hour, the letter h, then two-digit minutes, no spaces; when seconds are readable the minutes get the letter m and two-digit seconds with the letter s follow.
4h37
